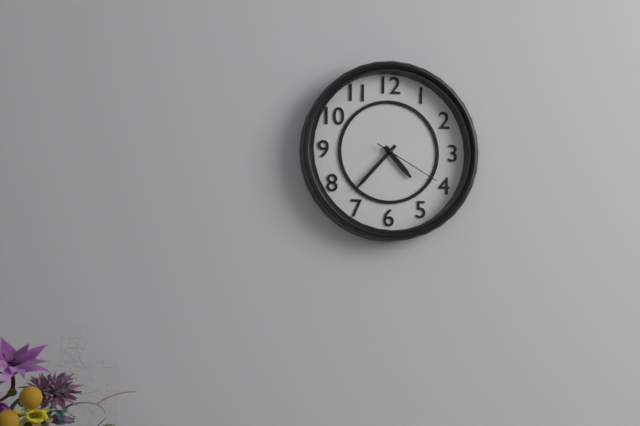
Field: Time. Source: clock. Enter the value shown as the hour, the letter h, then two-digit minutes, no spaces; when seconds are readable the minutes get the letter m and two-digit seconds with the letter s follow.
4h37m20s
